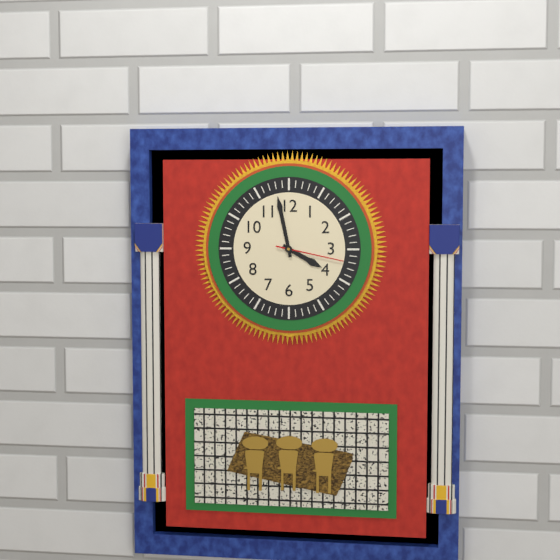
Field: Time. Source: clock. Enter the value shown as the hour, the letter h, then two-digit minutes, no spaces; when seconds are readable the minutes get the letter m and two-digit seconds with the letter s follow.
3h58m17s
